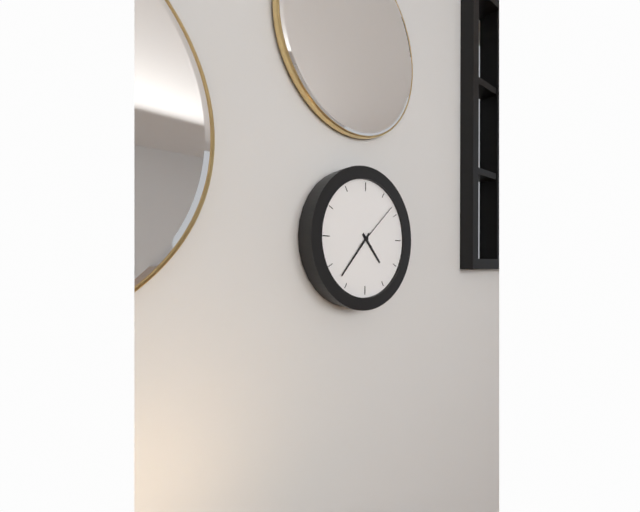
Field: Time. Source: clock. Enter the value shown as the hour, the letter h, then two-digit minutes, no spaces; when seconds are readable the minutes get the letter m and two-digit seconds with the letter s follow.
4h37m08s
